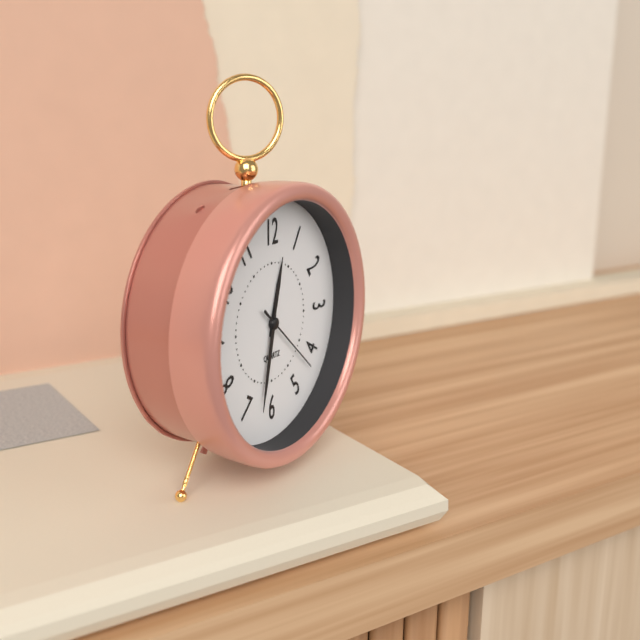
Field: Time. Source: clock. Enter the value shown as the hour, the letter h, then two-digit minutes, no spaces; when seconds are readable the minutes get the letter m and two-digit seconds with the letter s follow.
12h32m22s
